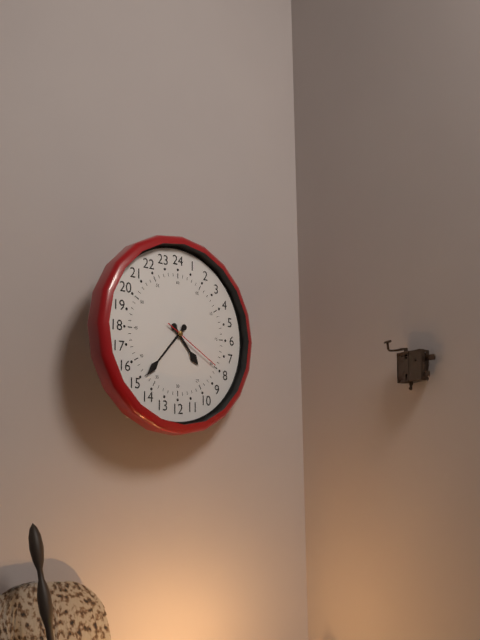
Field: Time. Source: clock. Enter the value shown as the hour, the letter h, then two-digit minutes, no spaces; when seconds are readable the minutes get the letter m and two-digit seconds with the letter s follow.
4h37m20s
